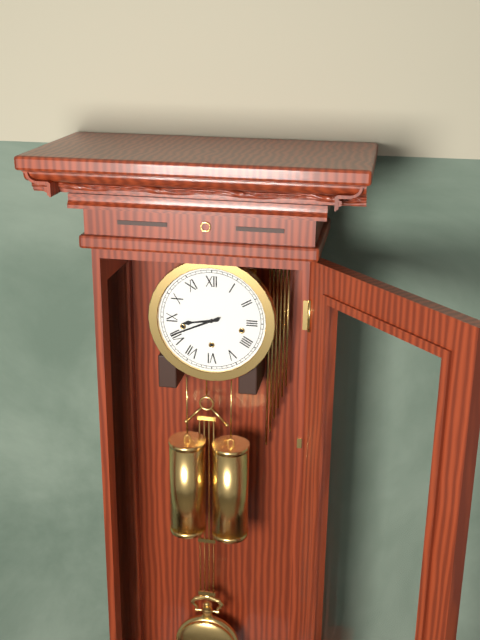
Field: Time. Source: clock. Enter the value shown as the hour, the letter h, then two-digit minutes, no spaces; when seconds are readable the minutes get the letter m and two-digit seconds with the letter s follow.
8h41
